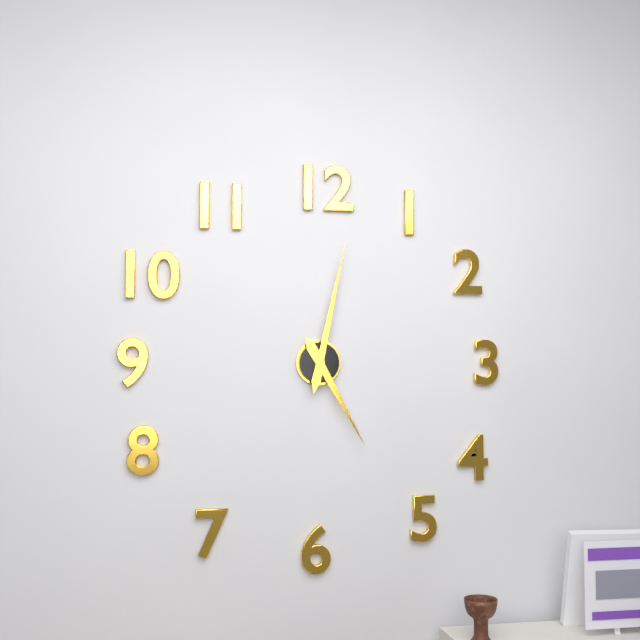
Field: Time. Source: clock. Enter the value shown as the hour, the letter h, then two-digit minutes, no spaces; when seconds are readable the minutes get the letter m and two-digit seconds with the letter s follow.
5h02
